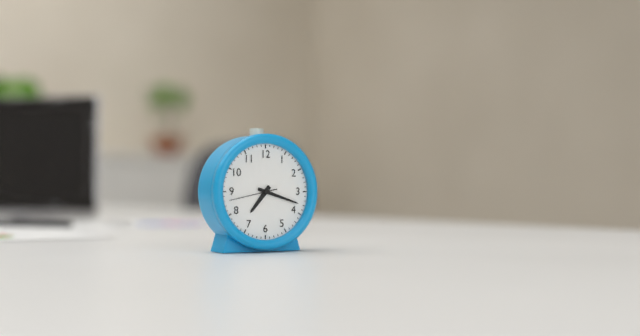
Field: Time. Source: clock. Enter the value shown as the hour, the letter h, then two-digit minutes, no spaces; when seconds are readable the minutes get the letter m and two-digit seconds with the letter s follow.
7h18
